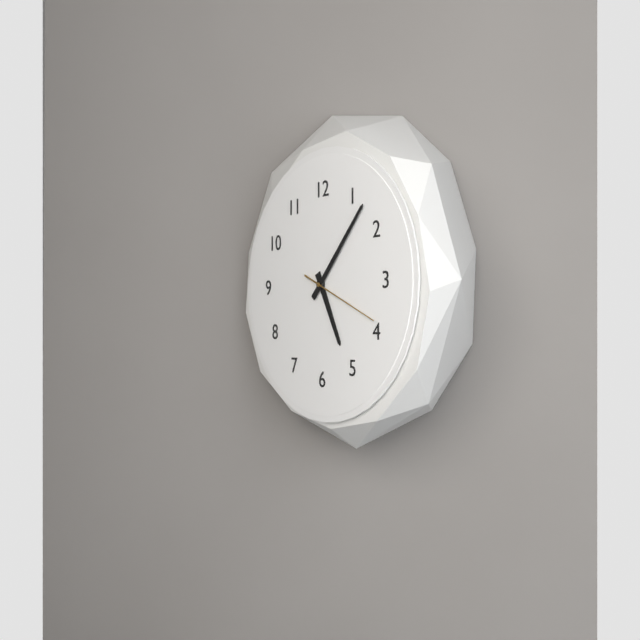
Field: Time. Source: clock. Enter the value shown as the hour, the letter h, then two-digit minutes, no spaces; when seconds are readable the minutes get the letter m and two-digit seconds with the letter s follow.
5h07m19s
